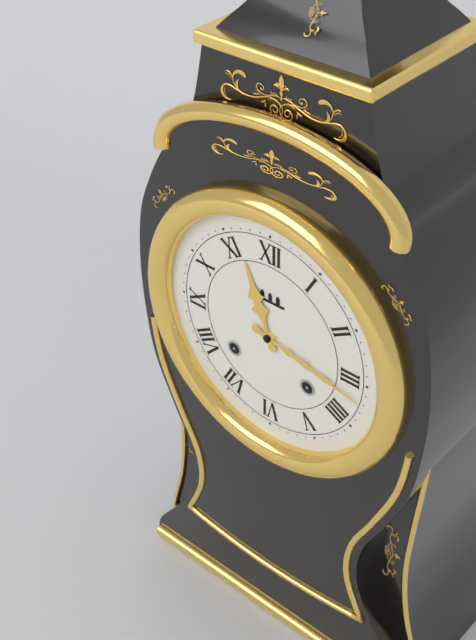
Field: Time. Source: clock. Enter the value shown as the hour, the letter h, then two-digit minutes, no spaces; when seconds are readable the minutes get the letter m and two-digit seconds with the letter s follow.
11h17
